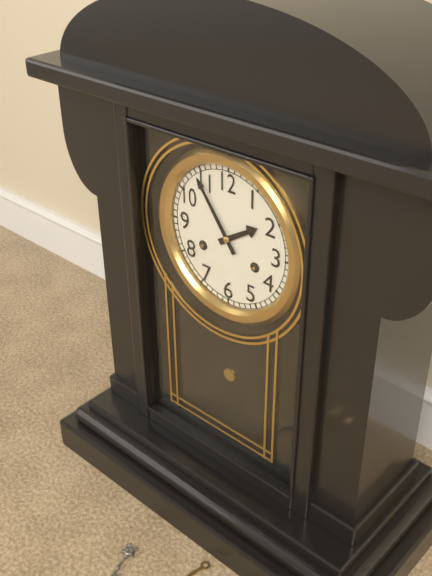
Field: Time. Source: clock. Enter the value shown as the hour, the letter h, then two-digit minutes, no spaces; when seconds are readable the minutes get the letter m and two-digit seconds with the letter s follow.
1h54
